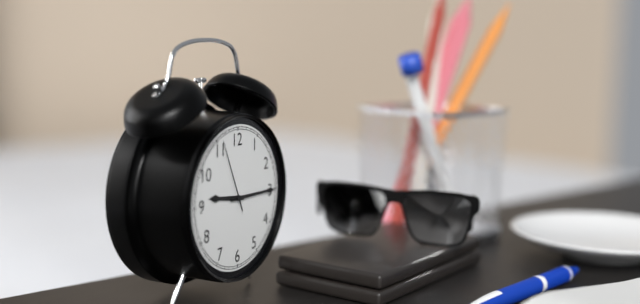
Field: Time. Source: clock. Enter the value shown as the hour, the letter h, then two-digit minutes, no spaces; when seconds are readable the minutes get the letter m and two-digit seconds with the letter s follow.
9h15m56s
